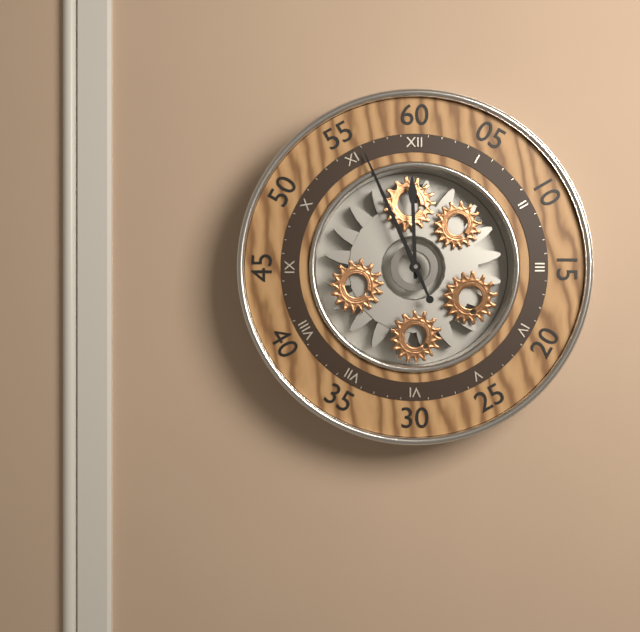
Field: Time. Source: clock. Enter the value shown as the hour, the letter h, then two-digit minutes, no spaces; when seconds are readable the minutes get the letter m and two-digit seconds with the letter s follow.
11h56
